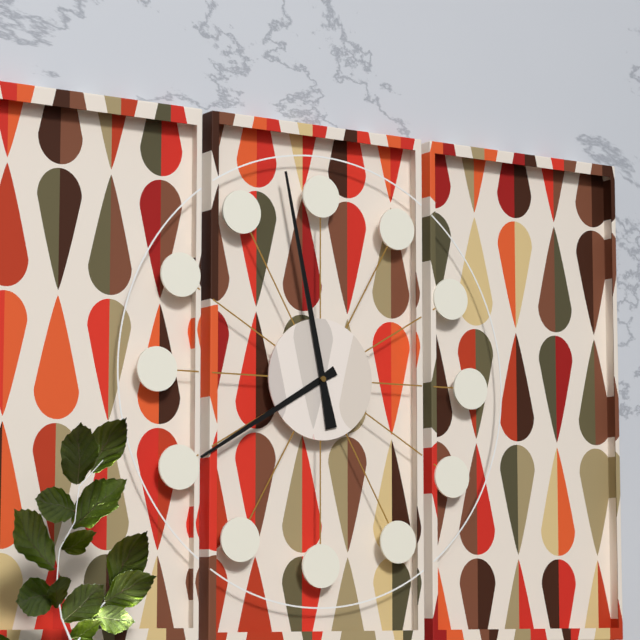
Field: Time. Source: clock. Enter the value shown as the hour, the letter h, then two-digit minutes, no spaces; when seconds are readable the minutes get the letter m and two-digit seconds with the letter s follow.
7h58
